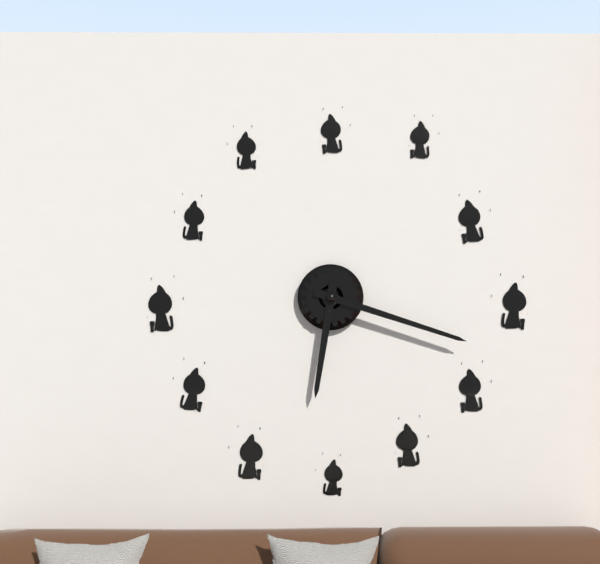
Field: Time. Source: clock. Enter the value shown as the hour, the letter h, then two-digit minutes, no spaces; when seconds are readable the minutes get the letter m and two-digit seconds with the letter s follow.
6h18
